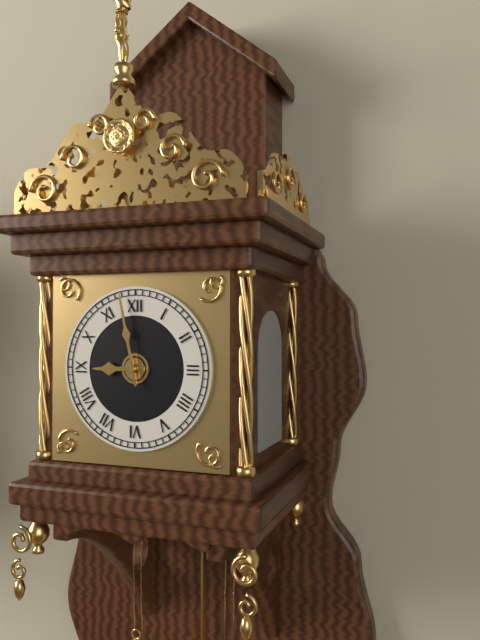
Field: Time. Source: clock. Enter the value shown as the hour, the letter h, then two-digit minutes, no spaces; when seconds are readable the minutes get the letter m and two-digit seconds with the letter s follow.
8h58
